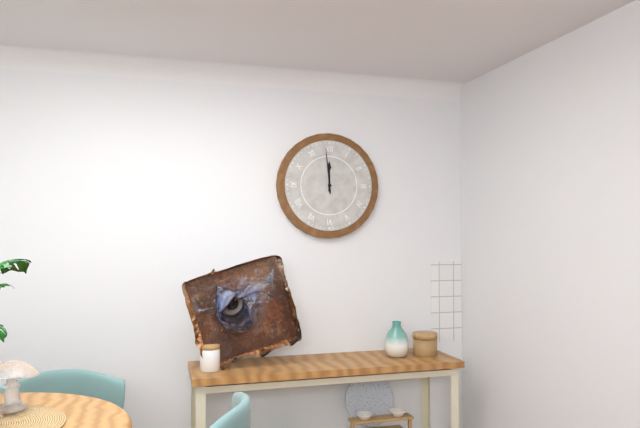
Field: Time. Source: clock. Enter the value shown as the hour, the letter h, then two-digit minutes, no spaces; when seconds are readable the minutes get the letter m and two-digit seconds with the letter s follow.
11h59
